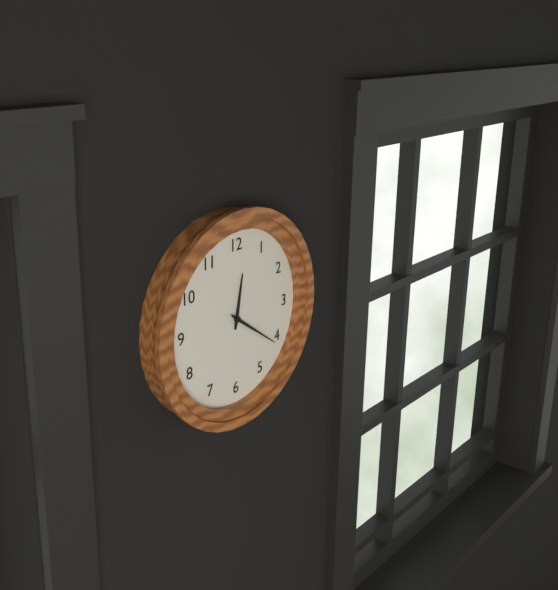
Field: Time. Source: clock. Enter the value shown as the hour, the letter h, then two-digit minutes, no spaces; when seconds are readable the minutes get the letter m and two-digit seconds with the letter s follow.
12h21
